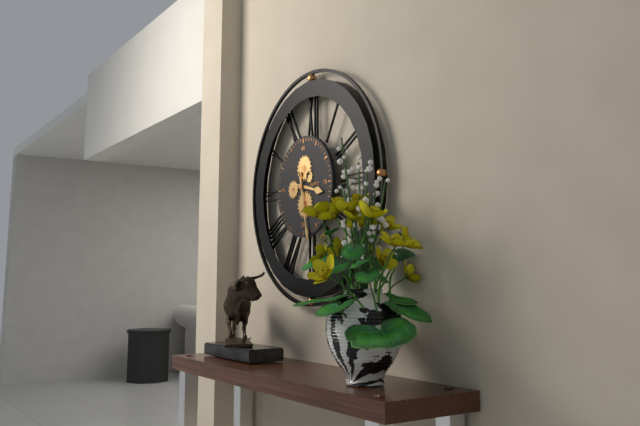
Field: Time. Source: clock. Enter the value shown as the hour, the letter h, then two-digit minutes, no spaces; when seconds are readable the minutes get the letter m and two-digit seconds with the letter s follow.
3h28
